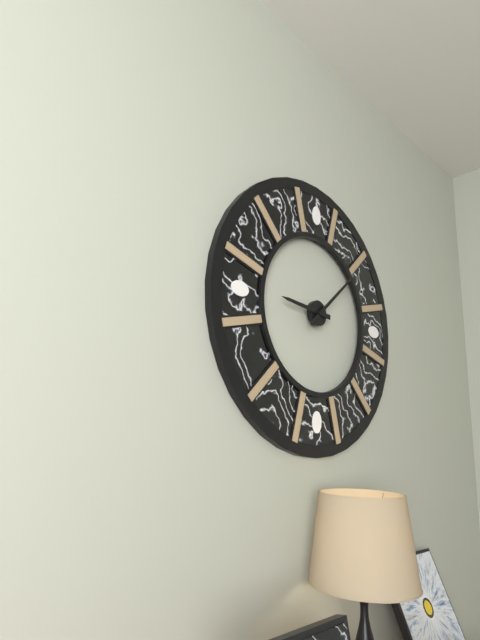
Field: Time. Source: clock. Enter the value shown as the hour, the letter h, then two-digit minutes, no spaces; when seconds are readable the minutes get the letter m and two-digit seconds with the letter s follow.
9h08
